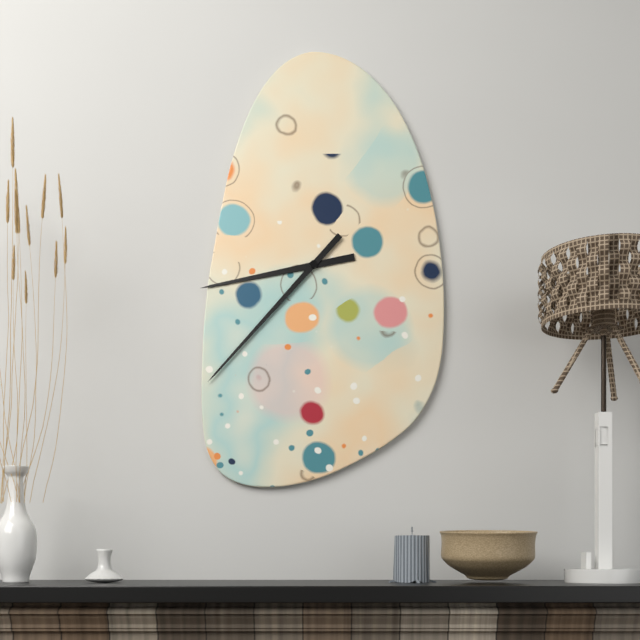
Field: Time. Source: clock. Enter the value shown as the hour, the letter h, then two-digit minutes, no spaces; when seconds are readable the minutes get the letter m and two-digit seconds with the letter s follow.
8h37
